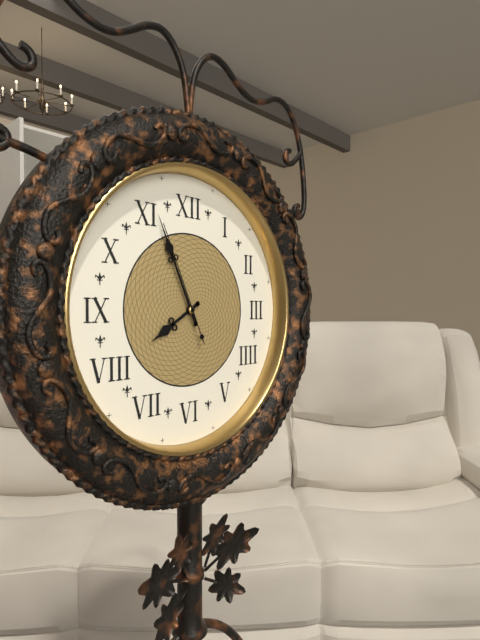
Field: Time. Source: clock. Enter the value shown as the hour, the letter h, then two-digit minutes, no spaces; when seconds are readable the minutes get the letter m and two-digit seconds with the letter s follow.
7h56m56s
